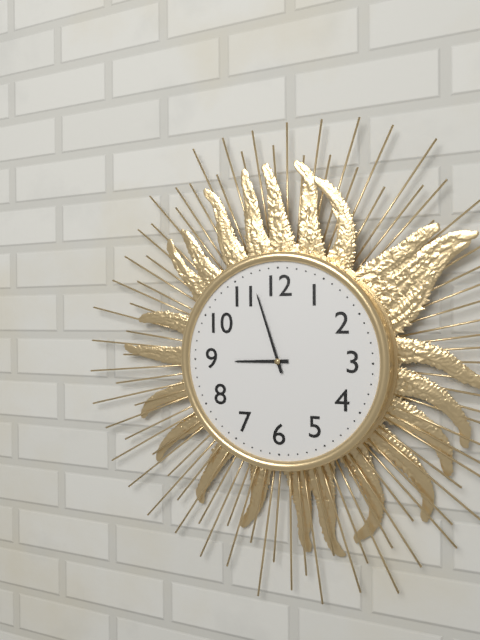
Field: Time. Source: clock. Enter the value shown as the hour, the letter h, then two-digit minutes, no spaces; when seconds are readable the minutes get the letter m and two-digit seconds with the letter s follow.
8h57
